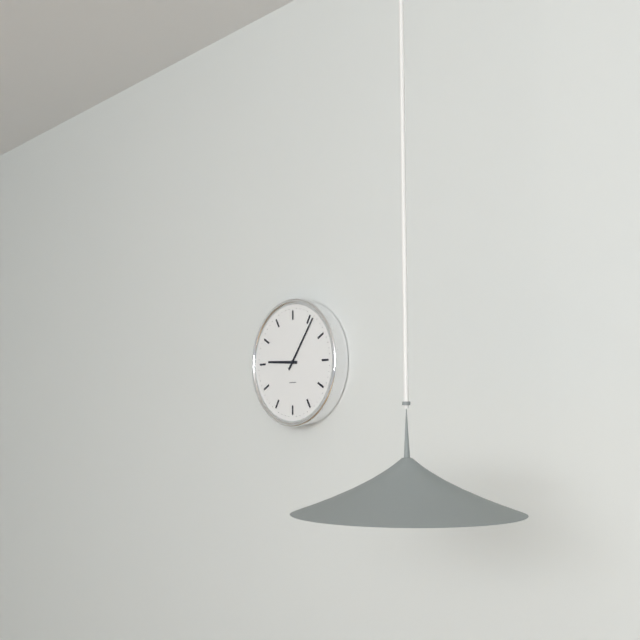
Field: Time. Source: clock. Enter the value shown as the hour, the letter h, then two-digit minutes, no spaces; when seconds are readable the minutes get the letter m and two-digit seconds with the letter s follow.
9h06
